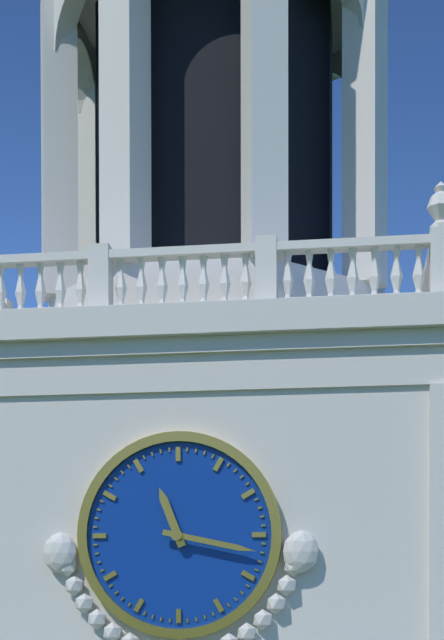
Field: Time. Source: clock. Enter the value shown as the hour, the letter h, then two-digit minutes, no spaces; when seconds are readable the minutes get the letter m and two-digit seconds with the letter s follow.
11h17
